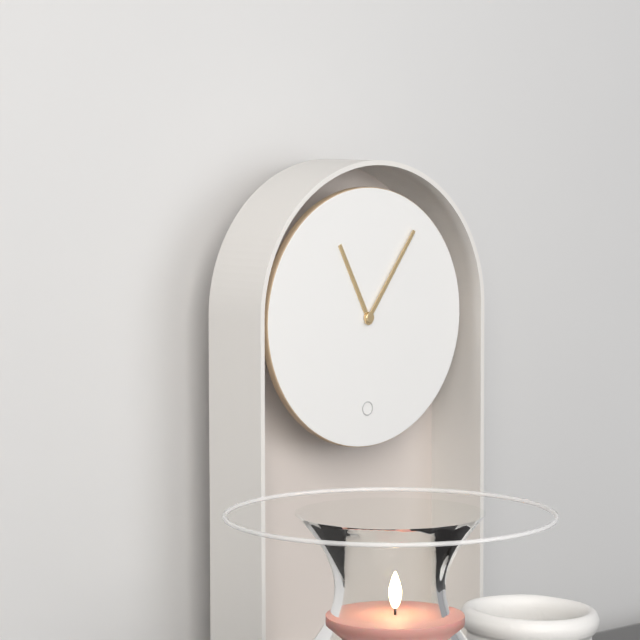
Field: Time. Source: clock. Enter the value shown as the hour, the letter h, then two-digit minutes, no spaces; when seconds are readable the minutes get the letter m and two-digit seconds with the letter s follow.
11h06
